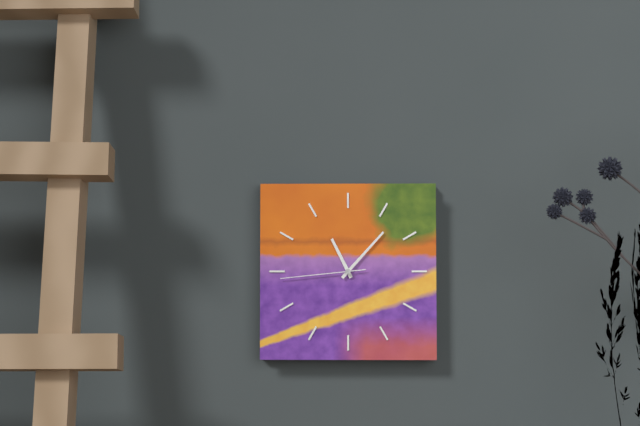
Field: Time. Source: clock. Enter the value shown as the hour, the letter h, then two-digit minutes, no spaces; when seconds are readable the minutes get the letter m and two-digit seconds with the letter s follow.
11h07m44s
